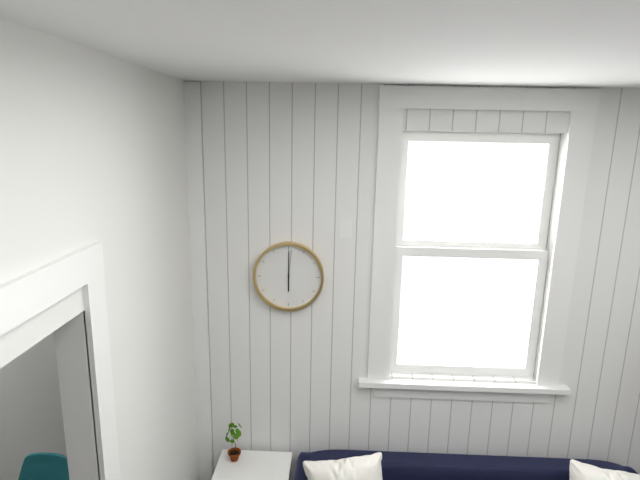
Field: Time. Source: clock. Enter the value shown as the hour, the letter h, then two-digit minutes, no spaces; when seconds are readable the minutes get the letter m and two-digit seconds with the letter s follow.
6h00
